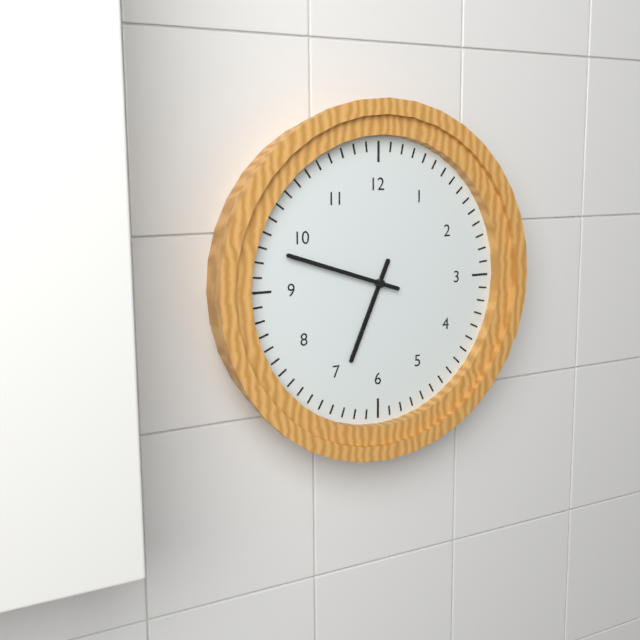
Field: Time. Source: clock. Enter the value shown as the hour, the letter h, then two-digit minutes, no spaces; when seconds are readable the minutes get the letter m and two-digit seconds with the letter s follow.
6h48
